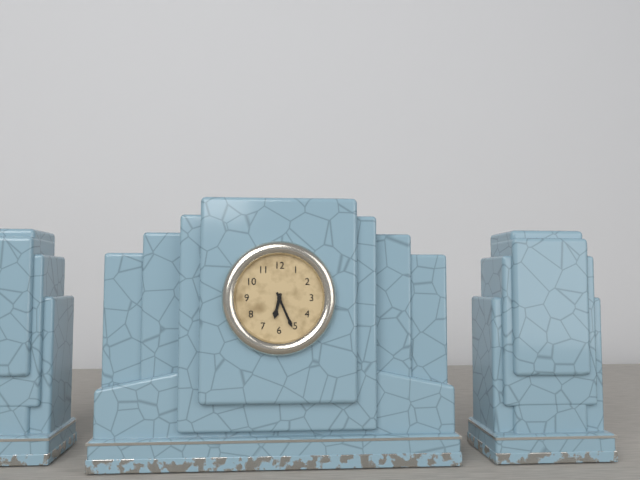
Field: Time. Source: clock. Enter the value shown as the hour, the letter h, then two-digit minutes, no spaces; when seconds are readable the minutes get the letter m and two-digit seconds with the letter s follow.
6h26
